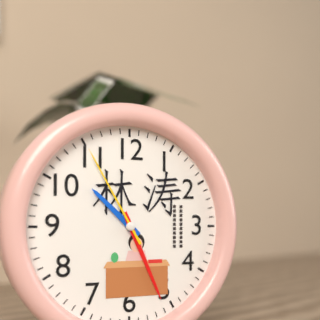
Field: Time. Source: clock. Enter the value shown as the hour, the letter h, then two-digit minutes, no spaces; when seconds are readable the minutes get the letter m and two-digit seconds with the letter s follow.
10h26m55s
